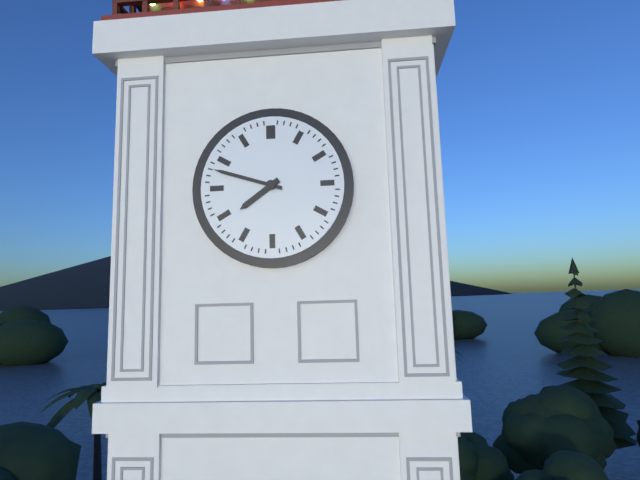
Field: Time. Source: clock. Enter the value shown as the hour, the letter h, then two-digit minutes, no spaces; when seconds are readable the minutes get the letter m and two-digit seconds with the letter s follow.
7h48
